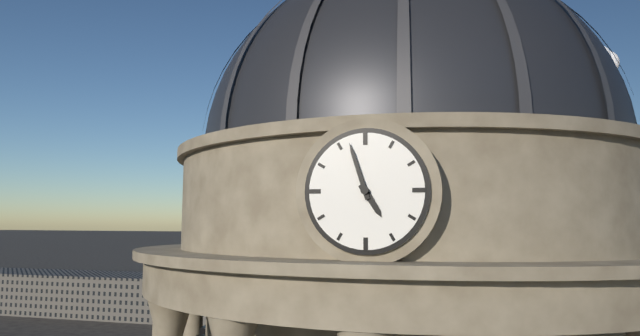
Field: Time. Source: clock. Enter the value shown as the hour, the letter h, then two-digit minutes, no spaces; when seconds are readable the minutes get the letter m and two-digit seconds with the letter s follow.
4h57
